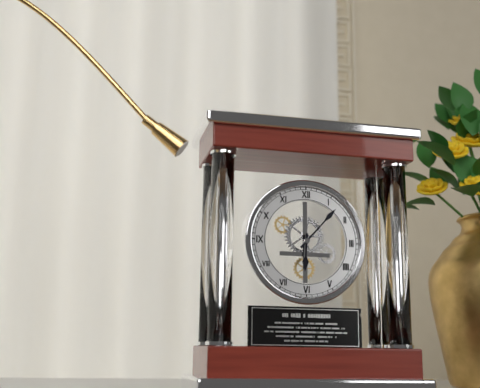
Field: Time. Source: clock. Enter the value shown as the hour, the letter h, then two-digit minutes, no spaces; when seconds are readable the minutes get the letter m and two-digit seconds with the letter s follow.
6h07
